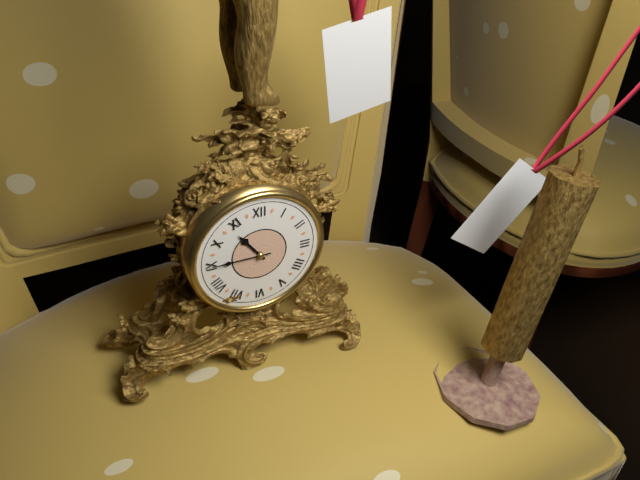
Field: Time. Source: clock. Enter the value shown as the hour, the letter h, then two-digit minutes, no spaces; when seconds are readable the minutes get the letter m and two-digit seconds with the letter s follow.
10h45
